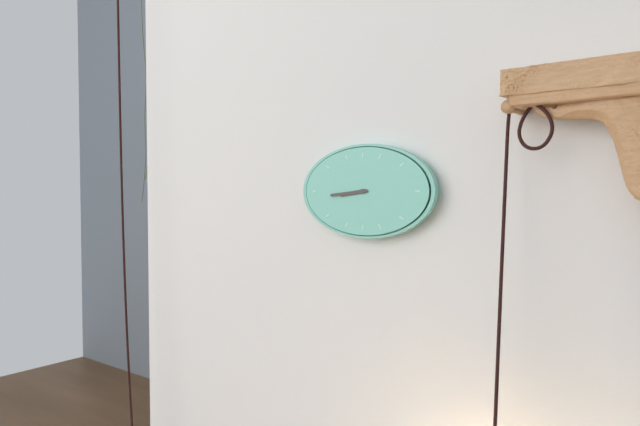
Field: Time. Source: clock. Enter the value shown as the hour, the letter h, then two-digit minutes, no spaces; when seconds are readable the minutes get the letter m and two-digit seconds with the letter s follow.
8h44
